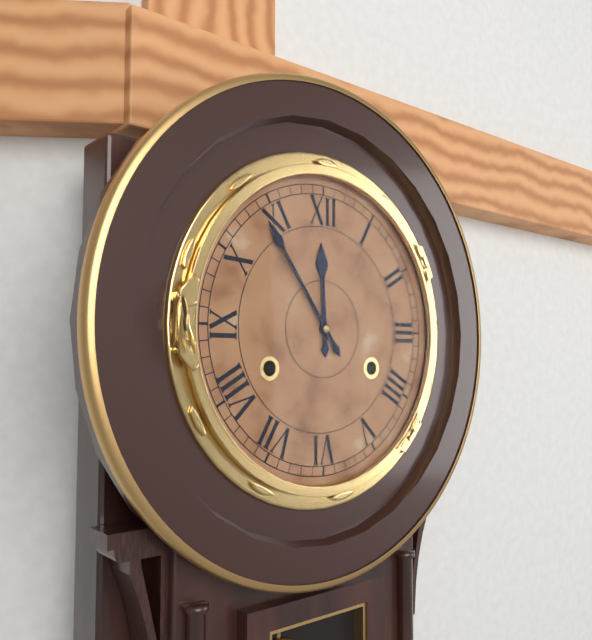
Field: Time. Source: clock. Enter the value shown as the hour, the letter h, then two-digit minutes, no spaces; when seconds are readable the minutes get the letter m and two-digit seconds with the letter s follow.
11h54
